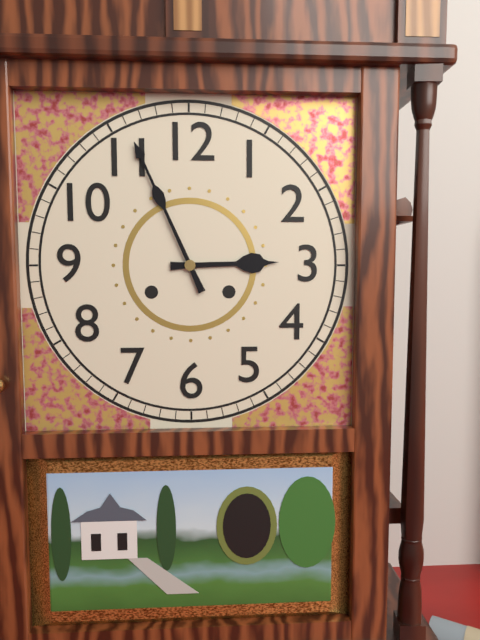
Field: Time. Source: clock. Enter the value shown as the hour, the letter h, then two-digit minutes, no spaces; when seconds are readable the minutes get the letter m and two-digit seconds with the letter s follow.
2h56
